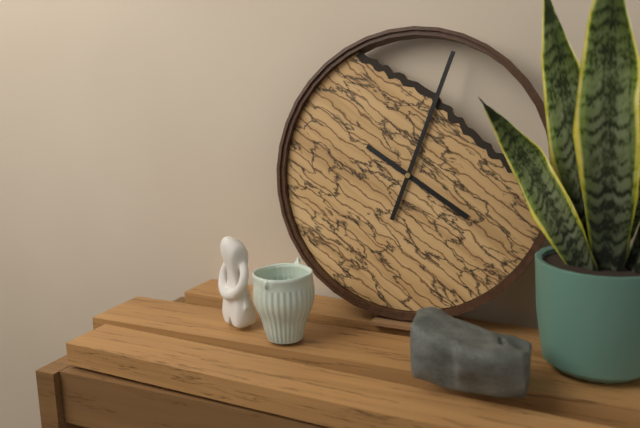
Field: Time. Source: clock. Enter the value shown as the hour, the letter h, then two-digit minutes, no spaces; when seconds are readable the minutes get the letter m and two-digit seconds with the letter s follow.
4h03
